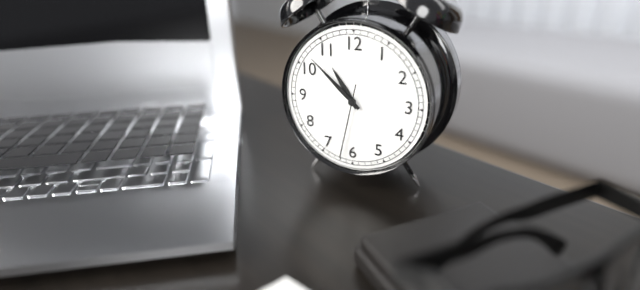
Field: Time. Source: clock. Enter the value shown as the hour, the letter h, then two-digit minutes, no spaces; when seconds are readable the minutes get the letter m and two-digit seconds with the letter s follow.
10h52m32s
